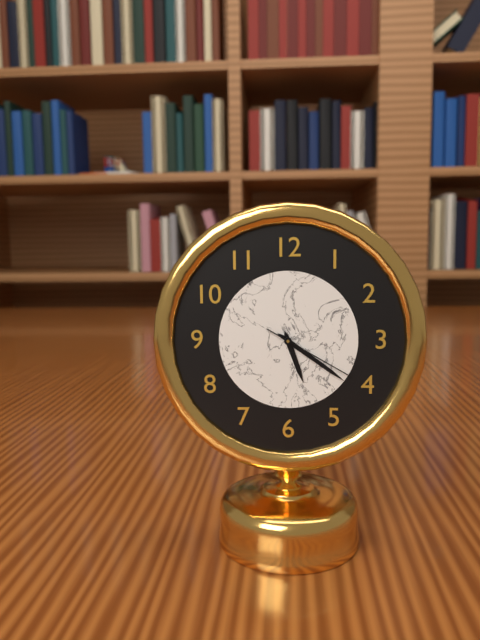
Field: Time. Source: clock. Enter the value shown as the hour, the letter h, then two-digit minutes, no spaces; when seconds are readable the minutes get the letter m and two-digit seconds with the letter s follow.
5h21m20s
